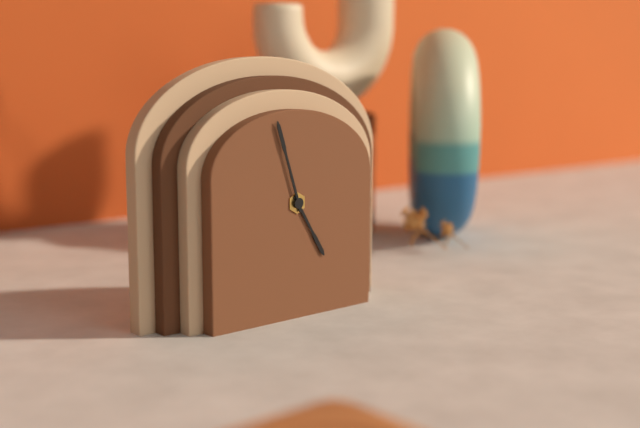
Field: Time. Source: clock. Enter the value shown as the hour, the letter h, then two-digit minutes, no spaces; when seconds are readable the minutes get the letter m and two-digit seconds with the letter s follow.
4h57
